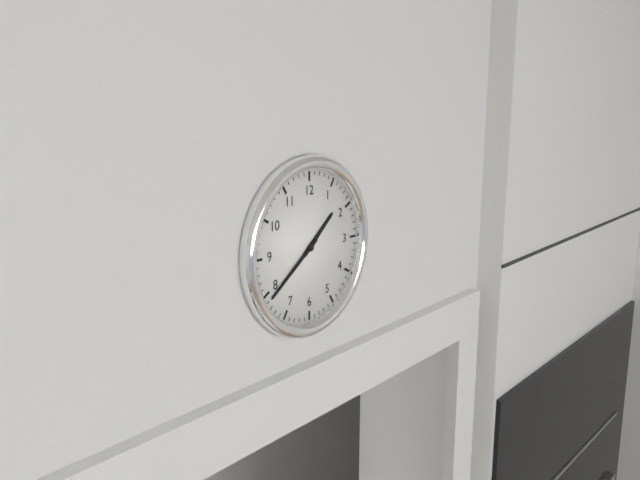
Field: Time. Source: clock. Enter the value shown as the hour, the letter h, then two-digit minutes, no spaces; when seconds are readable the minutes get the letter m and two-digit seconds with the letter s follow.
1h39
